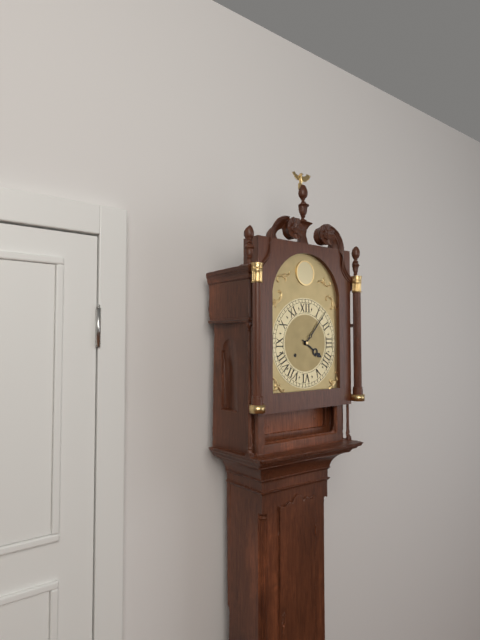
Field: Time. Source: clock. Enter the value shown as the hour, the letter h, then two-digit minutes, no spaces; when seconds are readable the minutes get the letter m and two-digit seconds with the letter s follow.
4h07
